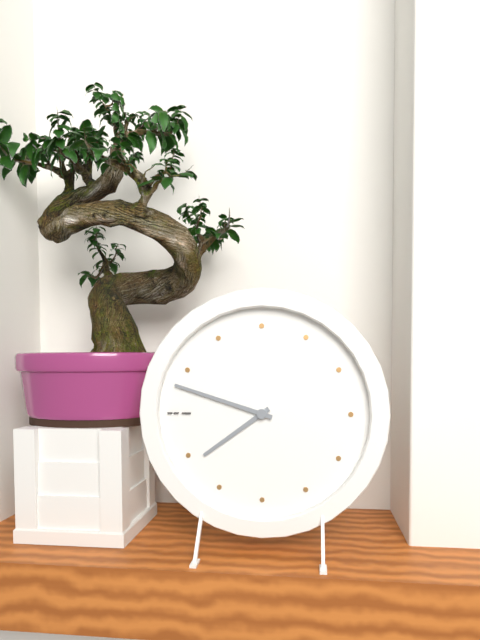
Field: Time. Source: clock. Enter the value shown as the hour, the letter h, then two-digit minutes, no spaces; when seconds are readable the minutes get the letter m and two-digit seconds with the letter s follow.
7h48
